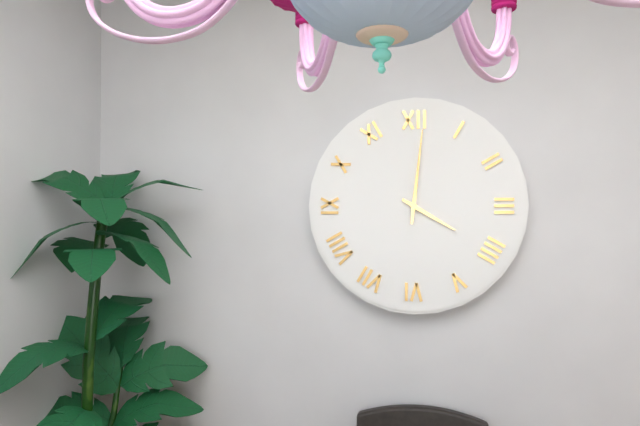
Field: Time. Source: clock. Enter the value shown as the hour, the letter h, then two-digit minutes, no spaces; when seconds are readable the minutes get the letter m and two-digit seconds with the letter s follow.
4h01
